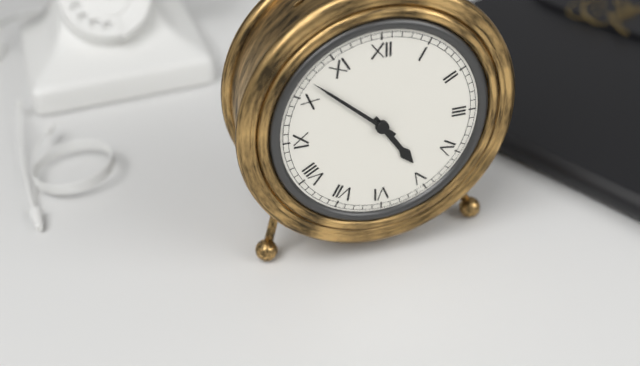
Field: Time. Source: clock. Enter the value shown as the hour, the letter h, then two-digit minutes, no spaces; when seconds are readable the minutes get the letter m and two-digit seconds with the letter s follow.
4h52
